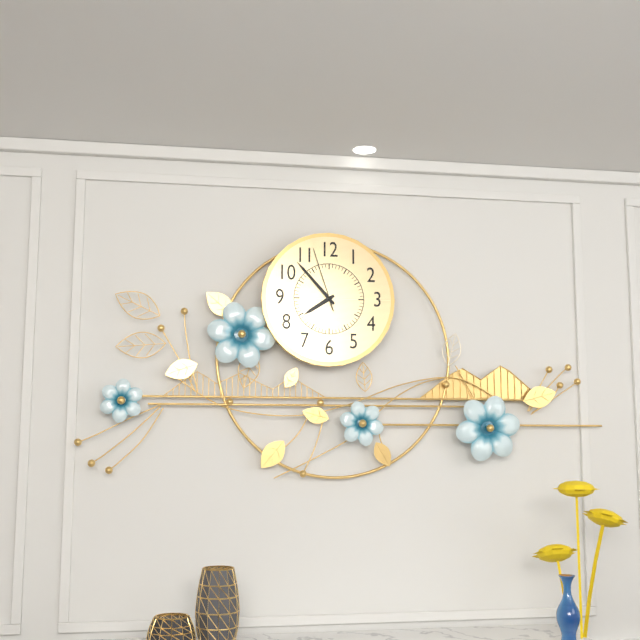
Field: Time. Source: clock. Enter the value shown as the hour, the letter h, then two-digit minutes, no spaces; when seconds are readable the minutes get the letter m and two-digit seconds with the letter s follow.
7h53m57s
